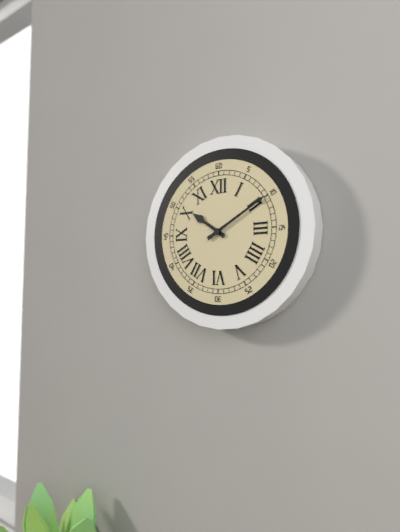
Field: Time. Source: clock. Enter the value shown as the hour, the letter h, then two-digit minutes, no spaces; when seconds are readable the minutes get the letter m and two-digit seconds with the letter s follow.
10h10
